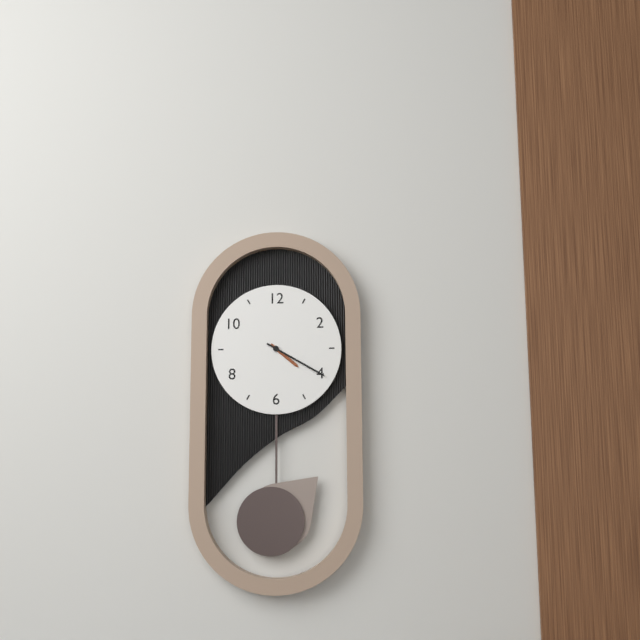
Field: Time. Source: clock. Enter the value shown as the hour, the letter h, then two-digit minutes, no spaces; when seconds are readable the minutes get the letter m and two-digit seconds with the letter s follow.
4h20
